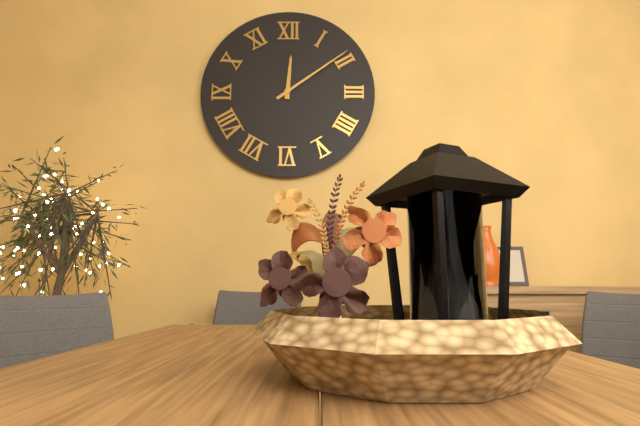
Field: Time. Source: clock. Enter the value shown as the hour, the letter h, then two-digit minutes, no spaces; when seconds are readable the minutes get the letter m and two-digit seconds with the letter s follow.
12h09
